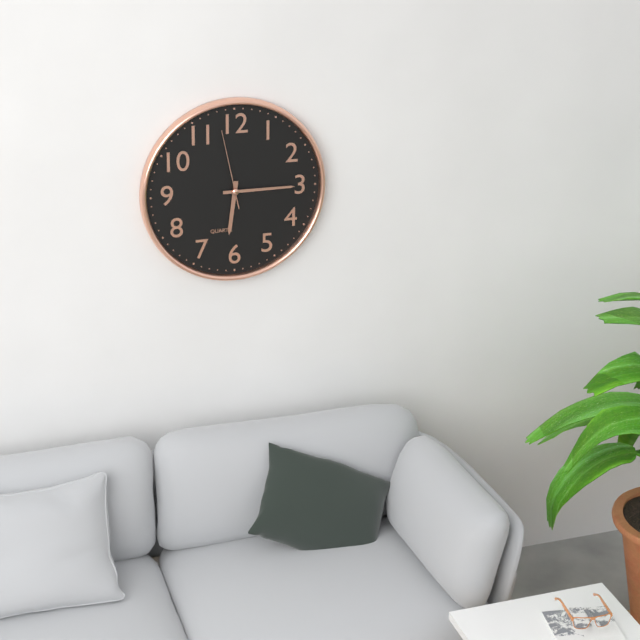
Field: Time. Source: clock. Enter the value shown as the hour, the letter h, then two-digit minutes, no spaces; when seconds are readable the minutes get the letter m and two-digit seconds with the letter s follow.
6h15m58s
